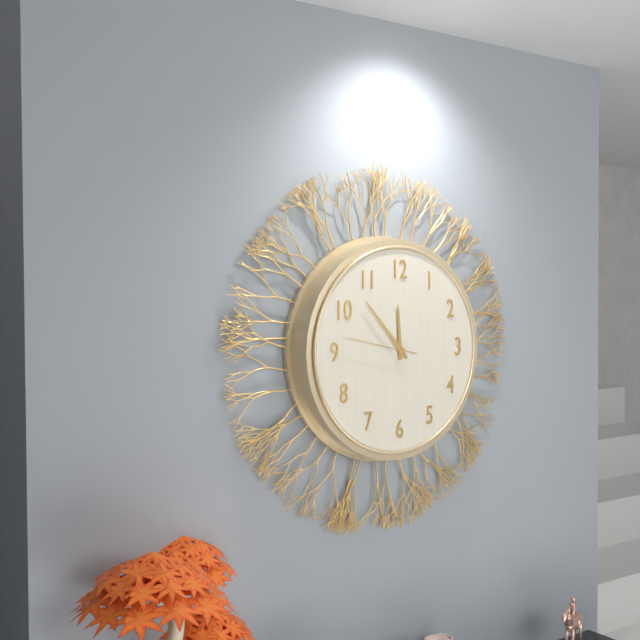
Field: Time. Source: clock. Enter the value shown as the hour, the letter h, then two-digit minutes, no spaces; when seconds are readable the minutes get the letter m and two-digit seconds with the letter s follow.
11h53m47s
